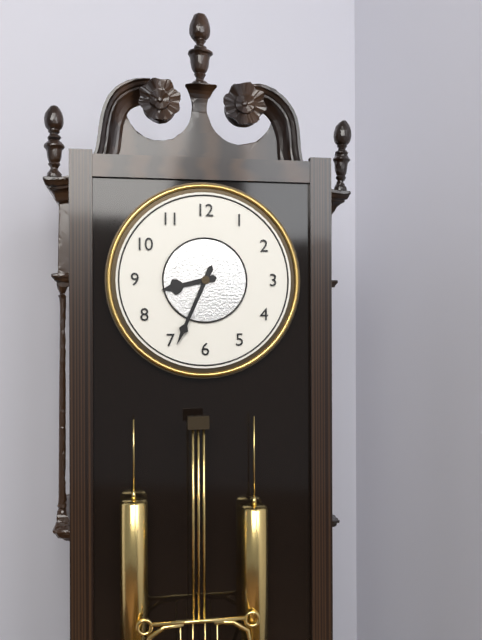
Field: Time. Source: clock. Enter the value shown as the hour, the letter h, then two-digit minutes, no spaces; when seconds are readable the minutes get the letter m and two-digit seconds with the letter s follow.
8h34
